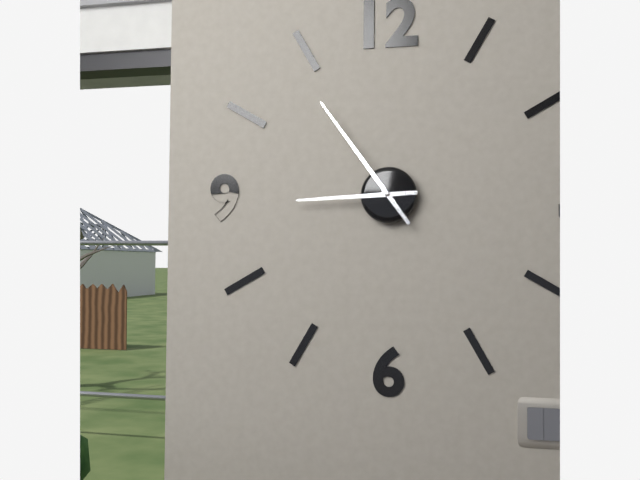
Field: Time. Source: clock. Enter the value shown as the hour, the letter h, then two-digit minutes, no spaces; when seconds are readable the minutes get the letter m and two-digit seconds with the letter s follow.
8h54
